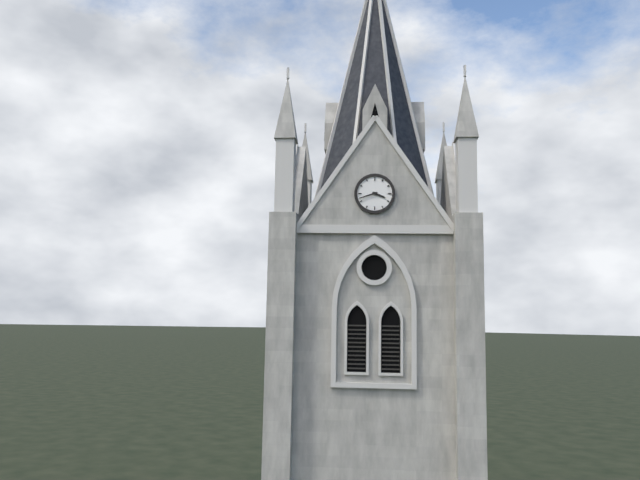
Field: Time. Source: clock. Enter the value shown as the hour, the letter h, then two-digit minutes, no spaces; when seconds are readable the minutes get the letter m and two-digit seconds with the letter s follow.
3h42
